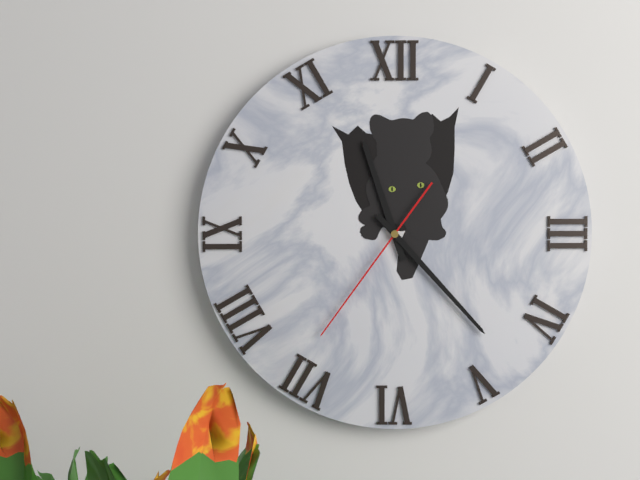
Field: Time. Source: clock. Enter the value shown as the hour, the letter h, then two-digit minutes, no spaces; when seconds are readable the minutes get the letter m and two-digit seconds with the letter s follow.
11h23m36s
